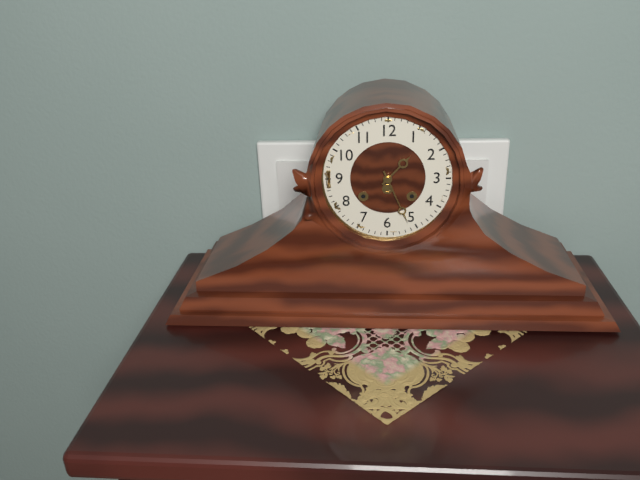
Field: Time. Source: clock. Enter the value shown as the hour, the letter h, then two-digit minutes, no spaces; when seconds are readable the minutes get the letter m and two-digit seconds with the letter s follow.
1h26
